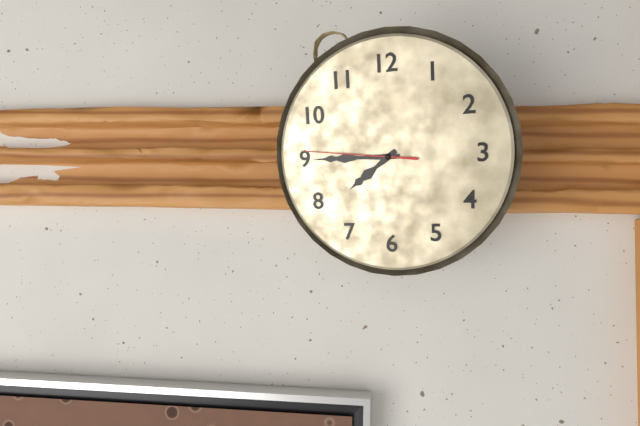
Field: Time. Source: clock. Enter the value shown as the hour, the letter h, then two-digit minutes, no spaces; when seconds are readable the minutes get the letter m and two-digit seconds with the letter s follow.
7h45m46s
